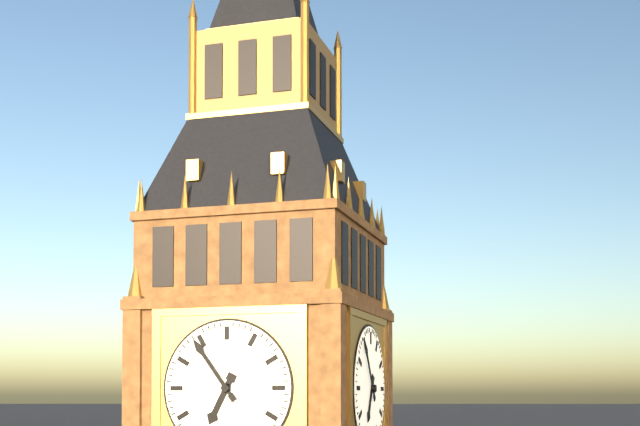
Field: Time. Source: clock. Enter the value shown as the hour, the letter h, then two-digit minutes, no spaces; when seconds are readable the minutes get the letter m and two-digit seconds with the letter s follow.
6h54
